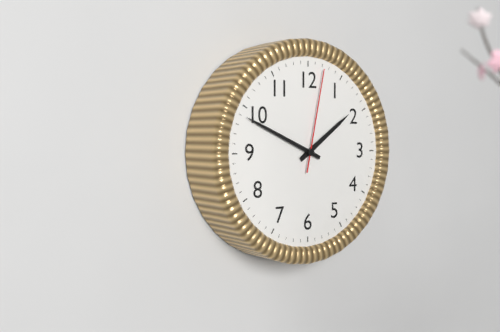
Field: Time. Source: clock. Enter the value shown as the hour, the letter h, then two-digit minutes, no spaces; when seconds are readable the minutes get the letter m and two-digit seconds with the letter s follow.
1h49m02s
